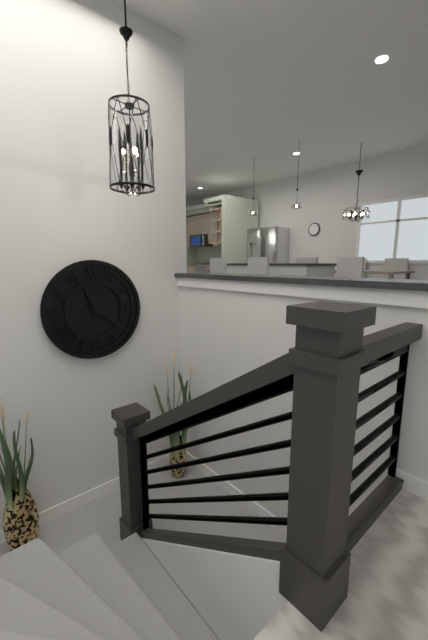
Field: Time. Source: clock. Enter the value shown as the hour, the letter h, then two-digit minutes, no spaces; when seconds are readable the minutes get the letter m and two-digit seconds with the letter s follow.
11h21m03s
